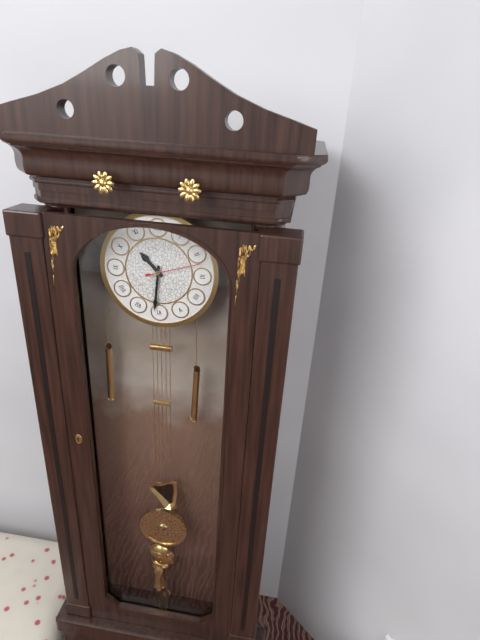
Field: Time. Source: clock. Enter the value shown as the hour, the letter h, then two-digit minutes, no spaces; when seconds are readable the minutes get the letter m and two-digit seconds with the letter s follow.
10h31m12s
